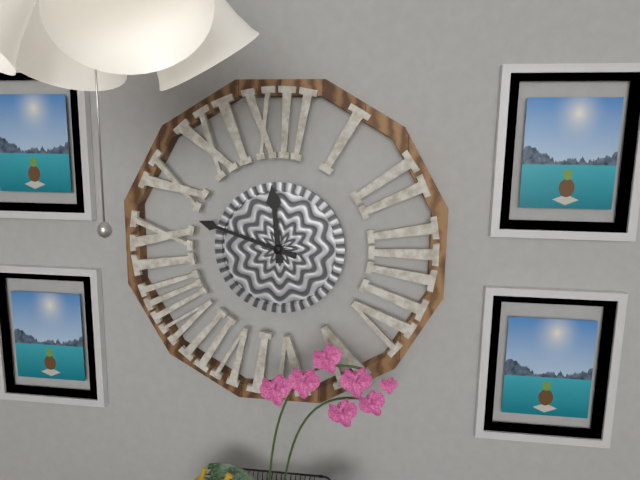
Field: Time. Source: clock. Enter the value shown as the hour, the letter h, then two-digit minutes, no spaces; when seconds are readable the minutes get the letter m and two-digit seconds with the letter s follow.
11h48
